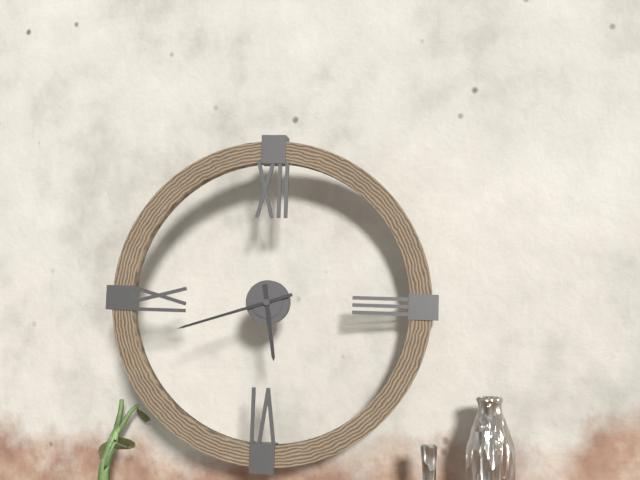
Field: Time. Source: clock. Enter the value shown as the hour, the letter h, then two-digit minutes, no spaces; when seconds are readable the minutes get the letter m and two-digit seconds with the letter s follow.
5h42
